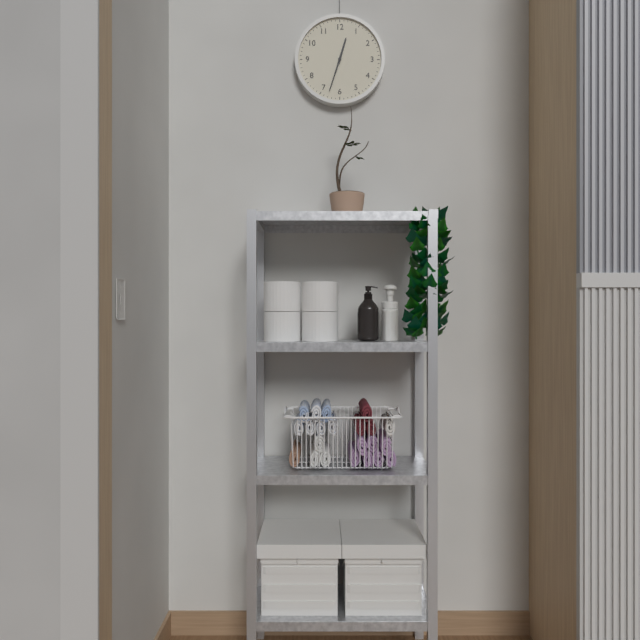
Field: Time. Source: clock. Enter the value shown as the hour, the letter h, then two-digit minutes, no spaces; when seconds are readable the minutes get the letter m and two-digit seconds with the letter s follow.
12h33
